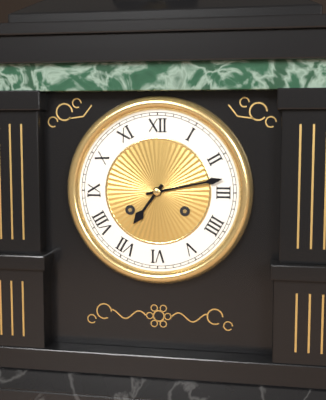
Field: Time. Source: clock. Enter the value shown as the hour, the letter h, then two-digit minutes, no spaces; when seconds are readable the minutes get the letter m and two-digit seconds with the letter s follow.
7h13
